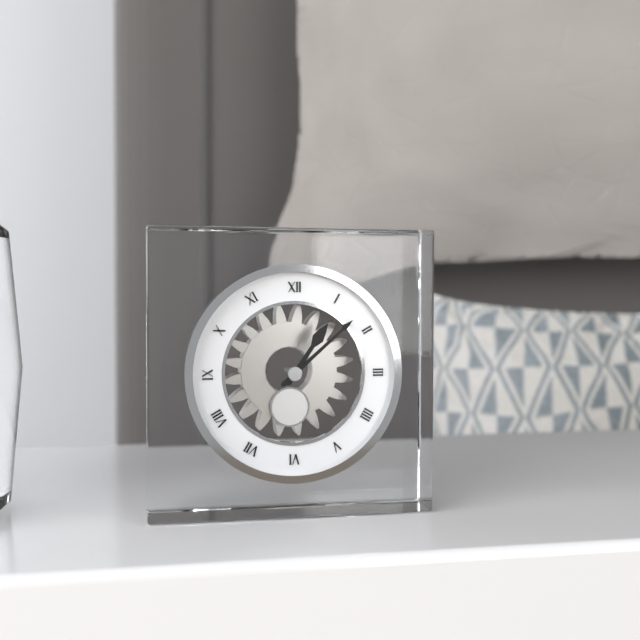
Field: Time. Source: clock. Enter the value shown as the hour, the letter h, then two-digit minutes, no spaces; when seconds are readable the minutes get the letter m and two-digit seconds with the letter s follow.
1h08
